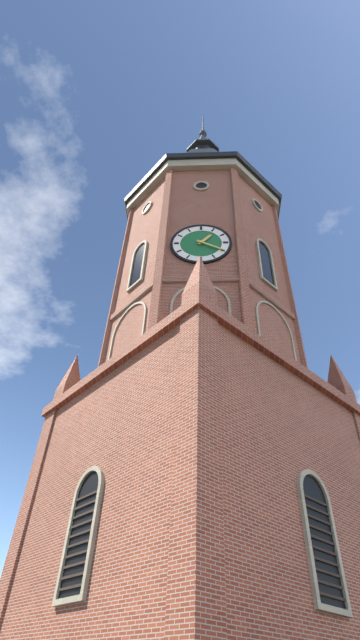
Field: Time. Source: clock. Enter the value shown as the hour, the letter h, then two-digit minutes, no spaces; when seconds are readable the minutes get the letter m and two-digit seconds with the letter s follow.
1h20
